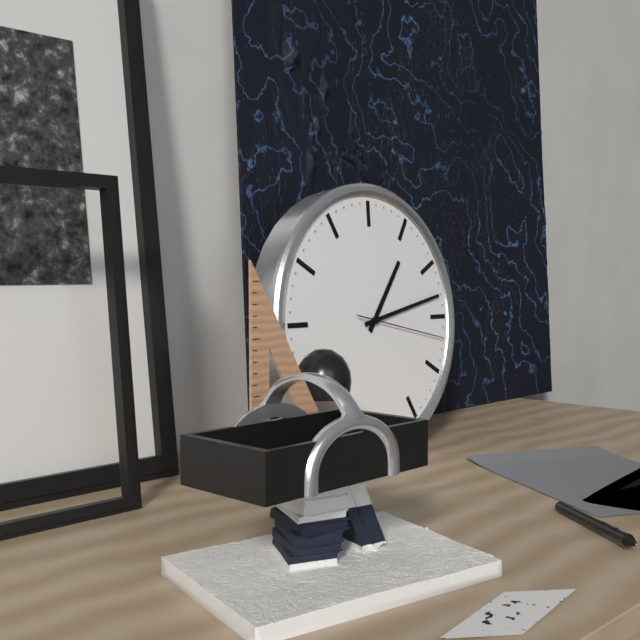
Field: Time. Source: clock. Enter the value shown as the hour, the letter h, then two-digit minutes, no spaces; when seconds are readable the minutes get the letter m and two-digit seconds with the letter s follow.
1h13m17s
